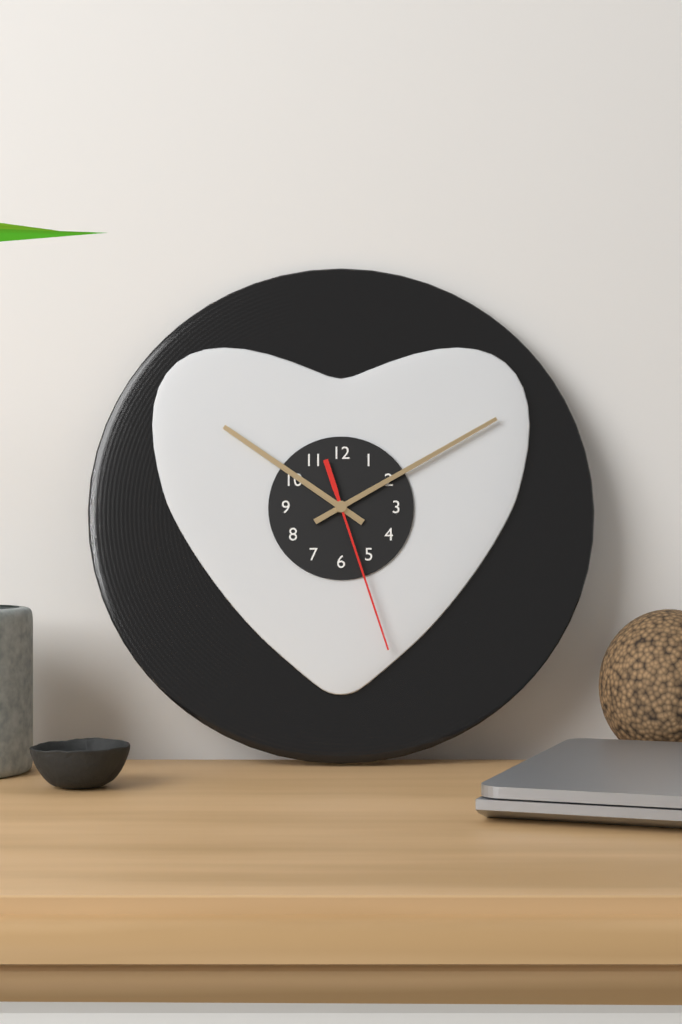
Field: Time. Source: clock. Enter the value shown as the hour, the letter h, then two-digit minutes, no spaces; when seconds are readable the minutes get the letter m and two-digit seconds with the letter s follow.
10h10m27s
